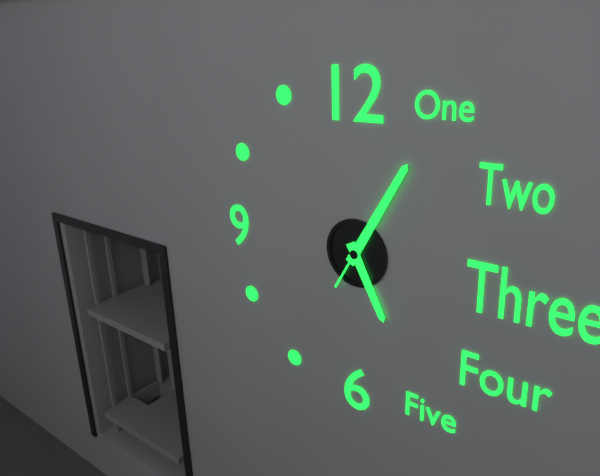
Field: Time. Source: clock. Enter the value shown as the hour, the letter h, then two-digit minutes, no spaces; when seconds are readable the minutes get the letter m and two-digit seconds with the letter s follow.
5h05m05s
